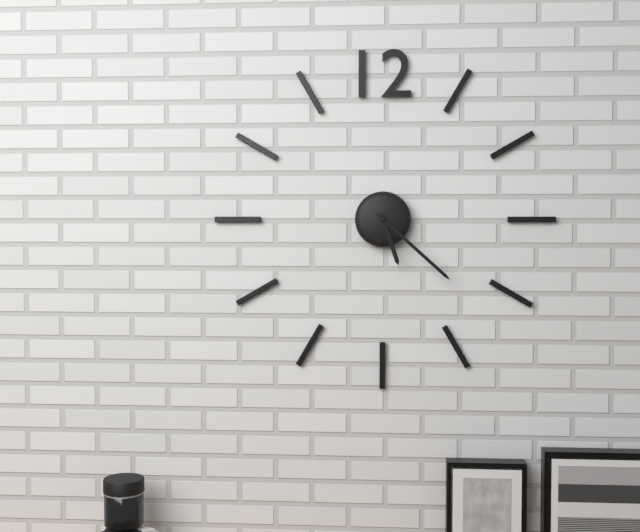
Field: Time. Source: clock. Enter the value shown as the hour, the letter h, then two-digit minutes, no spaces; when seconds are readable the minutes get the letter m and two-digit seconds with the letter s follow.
5h22
